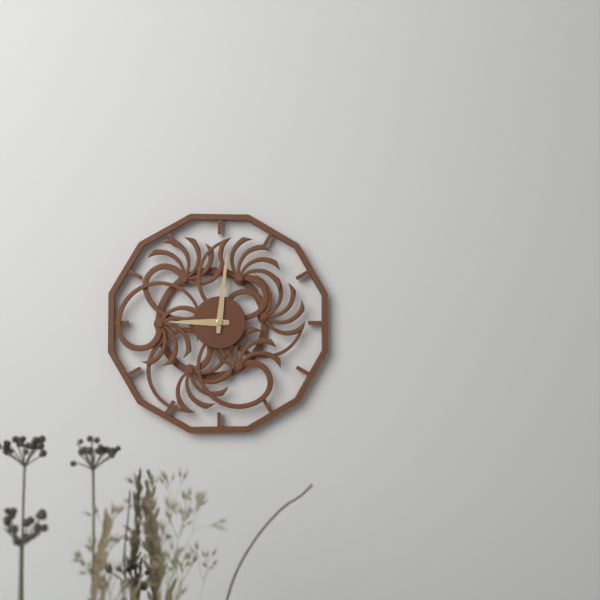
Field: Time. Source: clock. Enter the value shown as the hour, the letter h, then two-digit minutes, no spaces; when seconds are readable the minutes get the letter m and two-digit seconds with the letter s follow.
9h01
